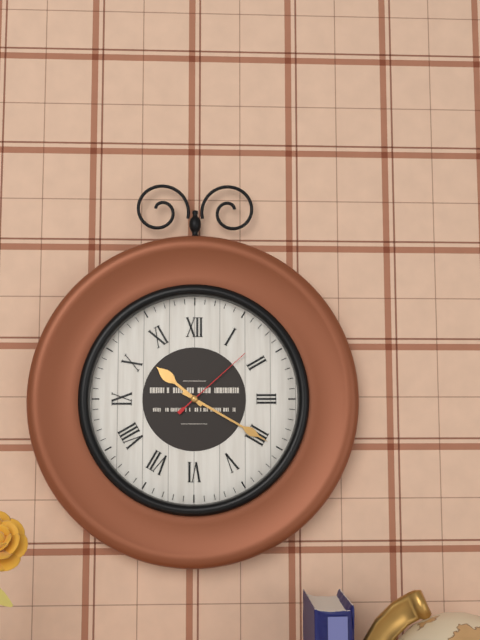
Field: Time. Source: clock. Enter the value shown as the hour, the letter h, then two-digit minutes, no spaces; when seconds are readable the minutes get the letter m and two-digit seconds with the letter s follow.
10h20m08s
